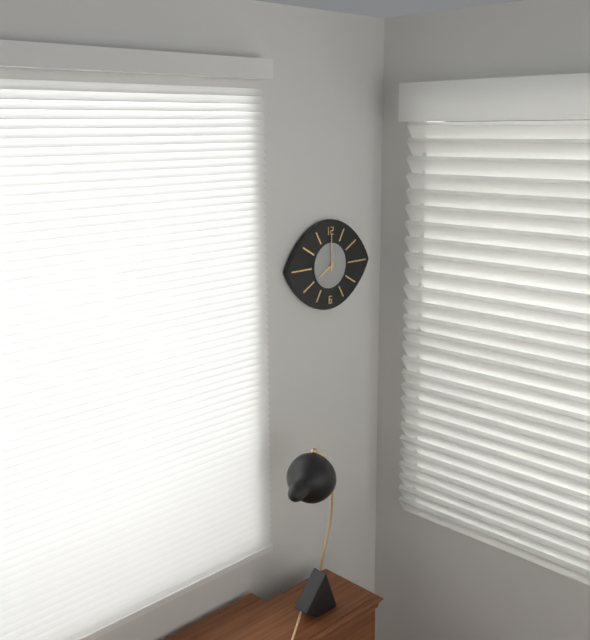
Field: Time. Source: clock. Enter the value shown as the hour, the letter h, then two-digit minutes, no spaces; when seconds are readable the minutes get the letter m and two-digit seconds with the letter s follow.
8h00
